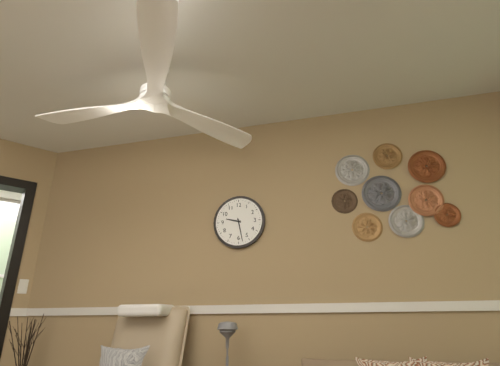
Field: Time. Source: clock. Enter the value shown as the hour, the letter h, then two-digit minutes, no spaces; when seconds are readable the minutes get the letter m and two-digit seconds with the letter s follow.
9h28
